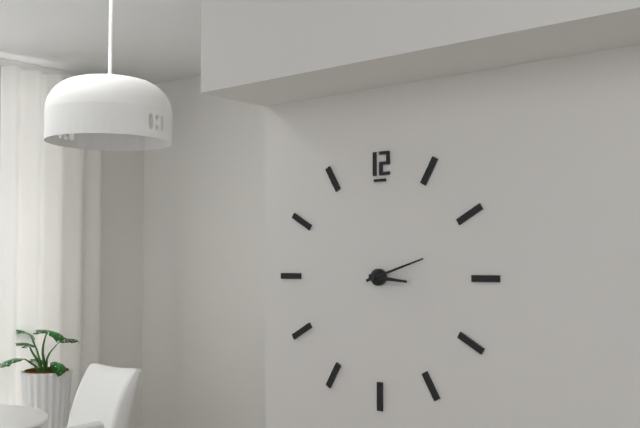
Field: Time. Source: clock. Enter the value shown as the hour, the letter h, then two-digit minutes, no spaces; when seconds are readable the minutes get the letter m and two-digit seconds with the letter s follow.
3h12
